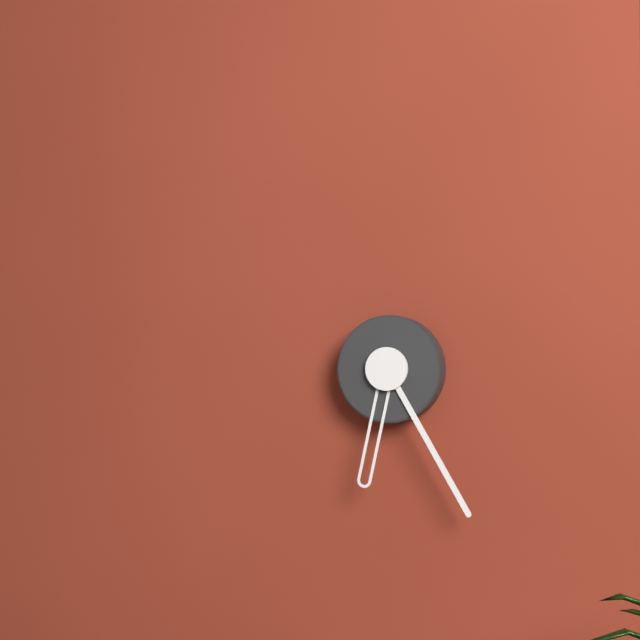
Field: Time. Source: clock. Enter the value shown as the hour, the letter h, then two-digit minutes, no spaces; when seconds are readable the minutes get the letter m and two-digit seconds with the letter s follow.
6h25
